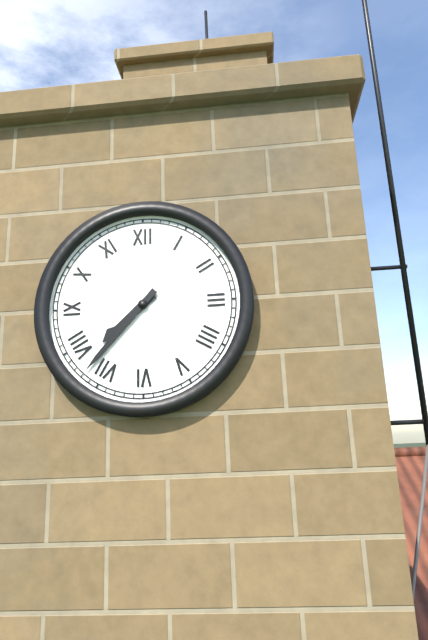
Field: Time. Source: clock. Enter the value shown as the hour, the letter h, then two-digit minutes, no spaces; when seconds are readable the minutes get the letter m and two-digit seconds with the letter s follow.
7h37
